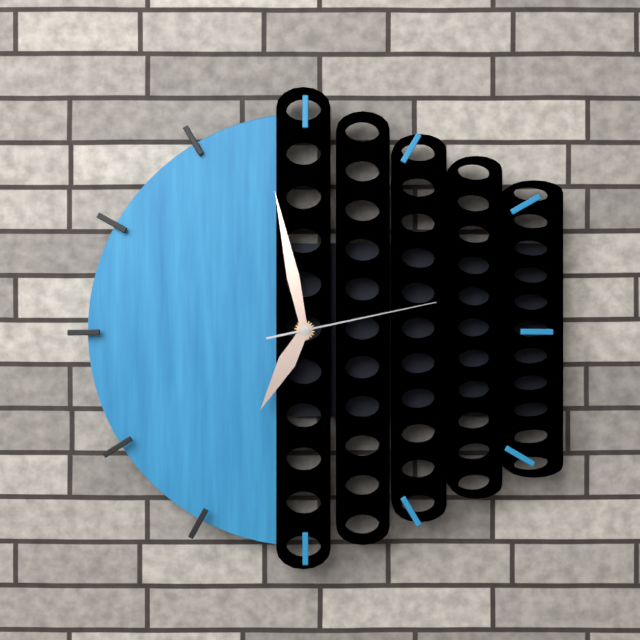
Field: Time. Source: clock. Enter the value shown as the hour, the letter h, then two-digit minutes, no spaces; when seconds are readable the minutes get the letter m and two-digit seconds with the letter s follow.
6h58m13s
